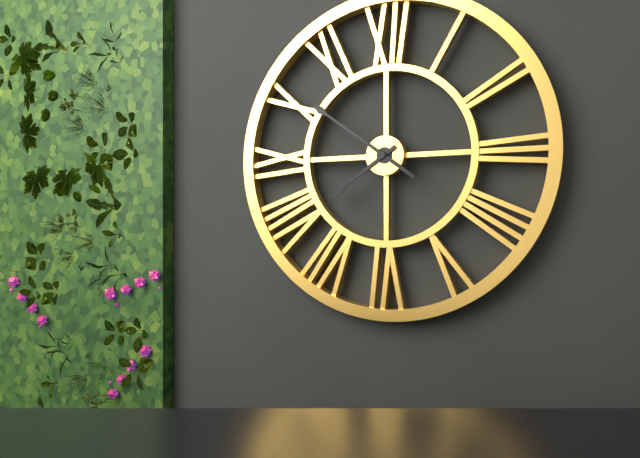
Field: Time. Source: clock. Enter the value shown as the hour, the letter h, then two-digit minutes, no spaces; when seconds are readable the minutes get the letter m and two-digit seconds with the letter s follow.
7h51
